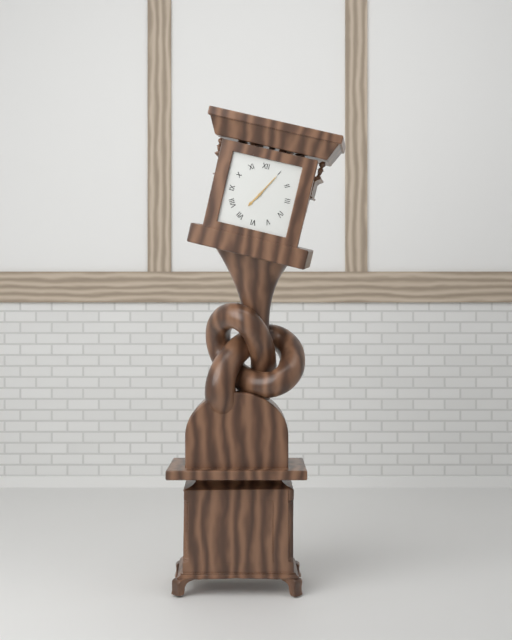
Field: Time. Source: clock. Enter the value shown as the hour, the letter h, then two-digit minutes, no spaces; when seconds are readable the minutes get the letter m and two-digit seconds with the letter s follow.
7h05
